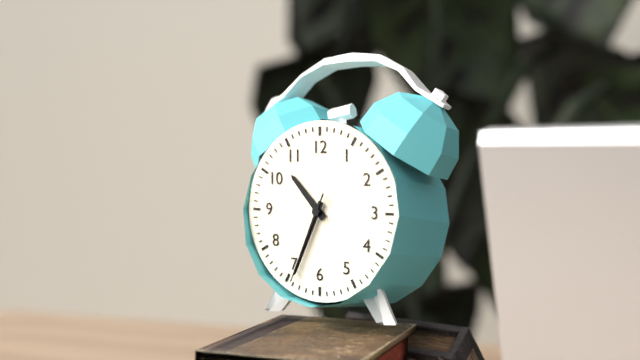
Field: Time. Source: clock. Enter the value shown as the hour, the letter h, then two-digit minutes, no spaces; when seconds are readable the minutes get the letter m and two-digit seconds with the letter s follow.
10h34m34s
